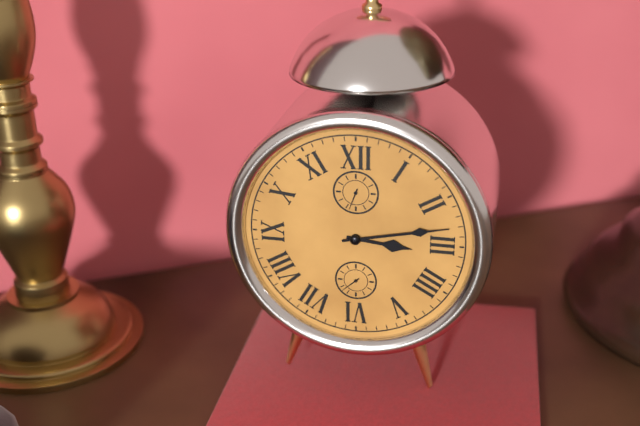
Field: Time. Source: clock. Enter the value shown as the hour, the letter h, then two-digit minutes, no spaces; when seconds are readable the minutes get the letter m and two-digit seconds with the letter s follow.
3h13
